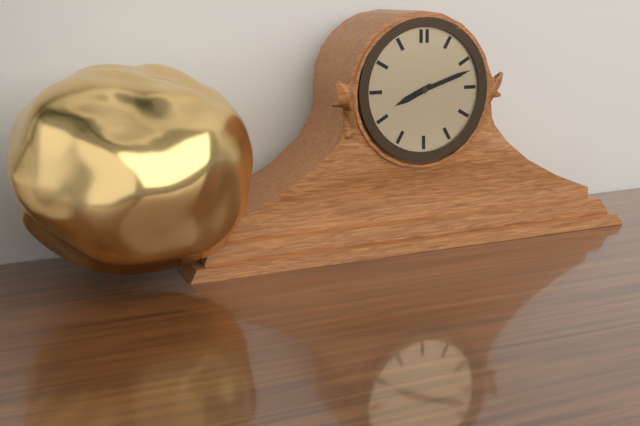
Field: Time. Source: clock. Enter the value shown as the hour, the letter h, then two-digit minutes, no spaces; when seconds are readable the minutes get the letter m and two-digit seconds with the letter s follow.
8h12
